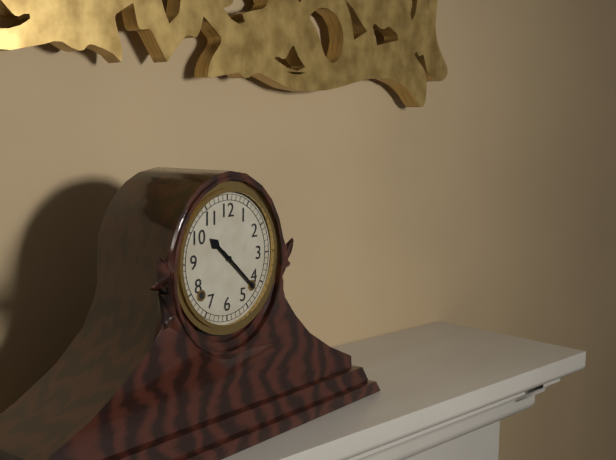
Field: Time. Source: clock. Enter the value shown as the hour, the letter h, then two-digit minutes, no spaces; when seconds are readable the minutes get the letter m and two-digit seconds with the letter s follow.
10h22
